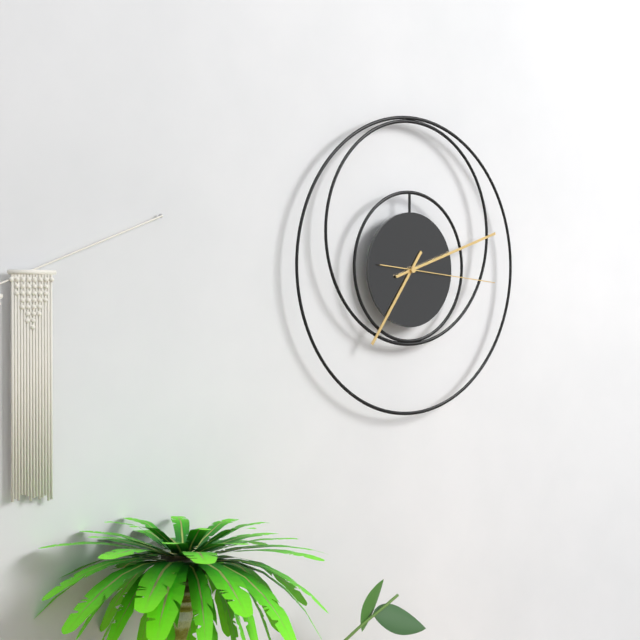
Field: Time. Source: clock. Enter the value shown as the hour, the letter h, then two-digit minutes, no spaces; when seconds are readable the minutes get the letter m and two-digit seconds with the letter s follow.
7h12m16s
